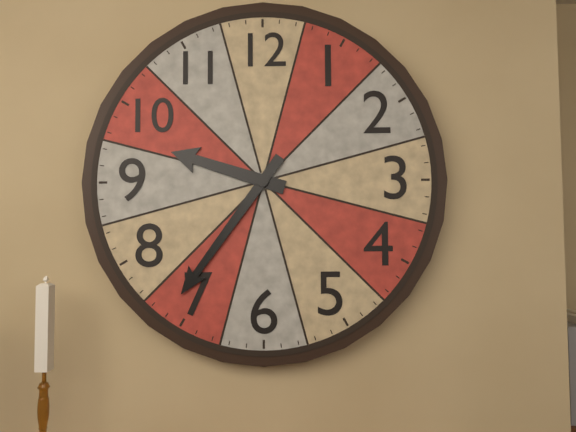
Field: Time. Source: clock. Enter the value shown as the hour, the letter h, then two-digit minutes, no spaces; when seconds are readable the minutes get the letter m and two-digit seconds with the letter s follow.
9h36
